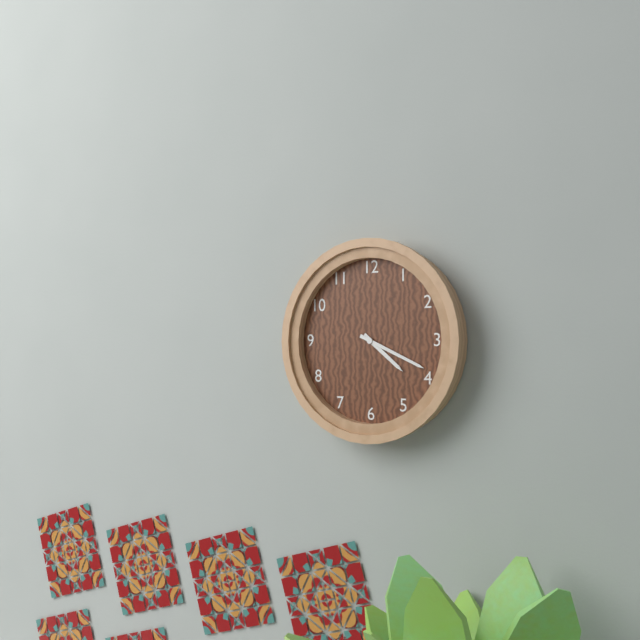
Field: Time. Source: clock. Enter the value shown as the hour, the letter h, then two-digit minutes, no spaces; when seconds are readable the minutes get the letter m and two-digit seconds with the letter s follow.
4h19
